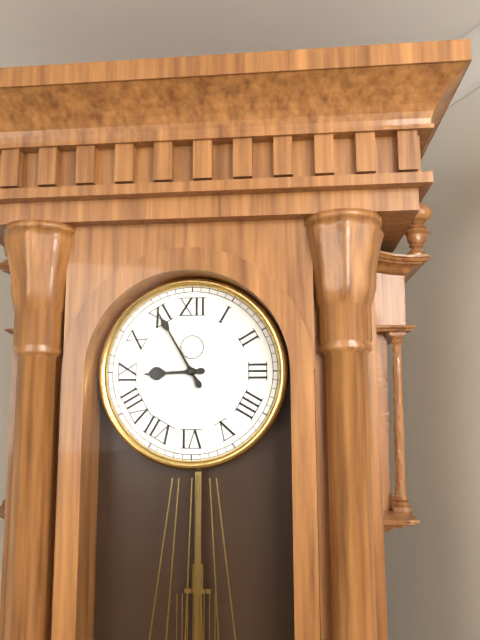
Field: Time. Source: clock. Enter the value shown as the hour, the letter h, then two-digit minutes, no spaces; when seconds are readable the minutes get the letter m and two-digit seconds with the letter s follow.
8h55
